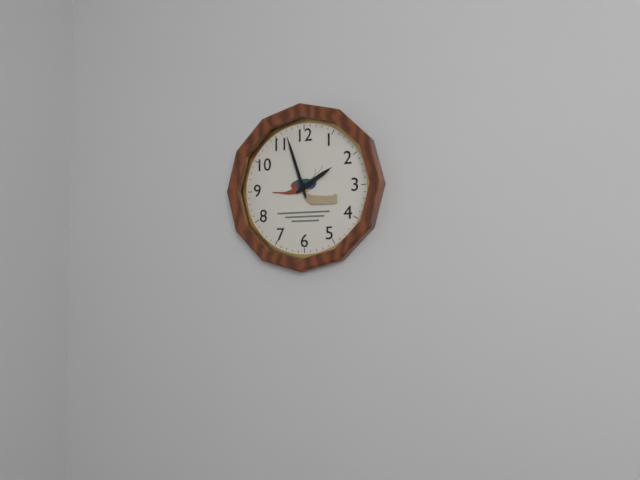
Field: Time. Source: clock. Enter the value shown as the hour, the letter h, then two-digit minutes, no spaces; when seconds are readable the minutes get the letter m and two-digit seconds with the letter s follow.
1h57
